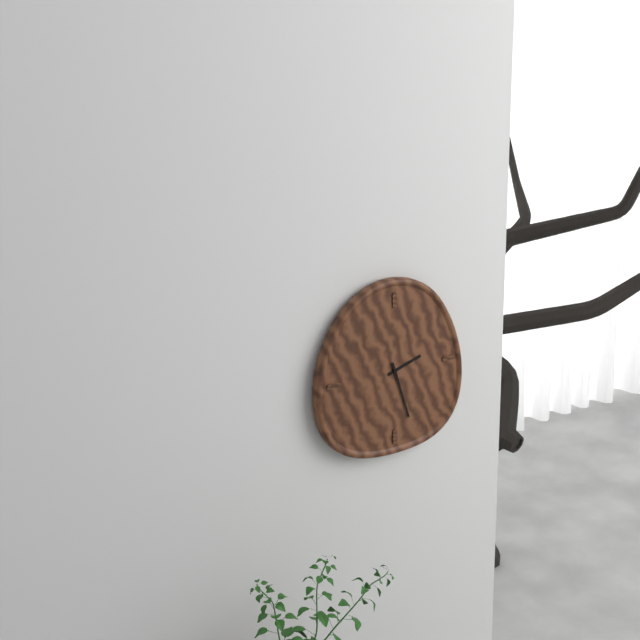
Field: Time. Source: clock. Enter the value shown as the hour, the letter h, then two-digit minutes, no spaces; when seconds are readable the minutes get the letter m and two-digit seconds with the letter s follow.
2h27
